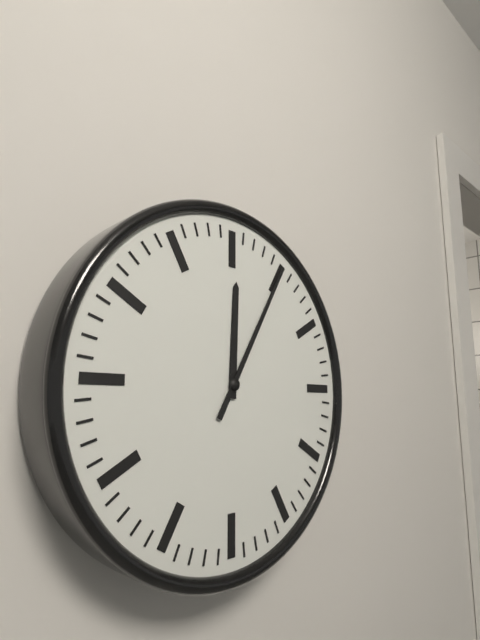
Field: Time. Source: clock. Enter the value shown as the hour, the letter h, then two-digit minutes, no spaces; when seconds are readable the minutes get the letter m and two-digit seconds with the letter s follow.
12h05
